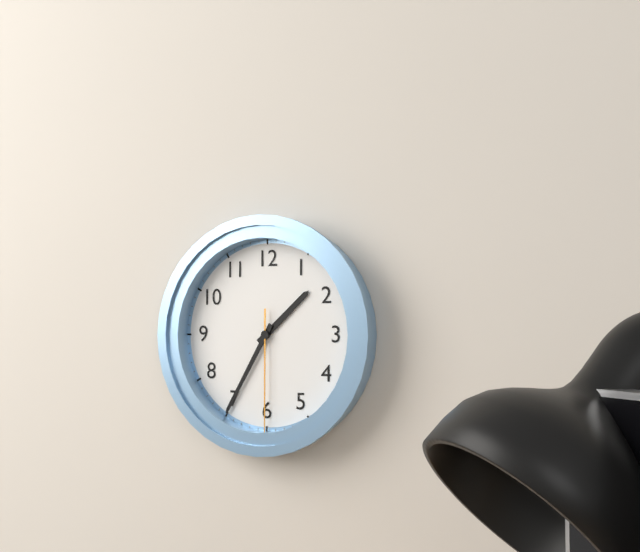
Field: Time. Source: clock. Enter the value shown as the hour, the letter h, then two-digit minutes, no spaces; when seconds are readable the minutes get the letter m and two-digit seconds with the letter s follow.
1h35m30s
